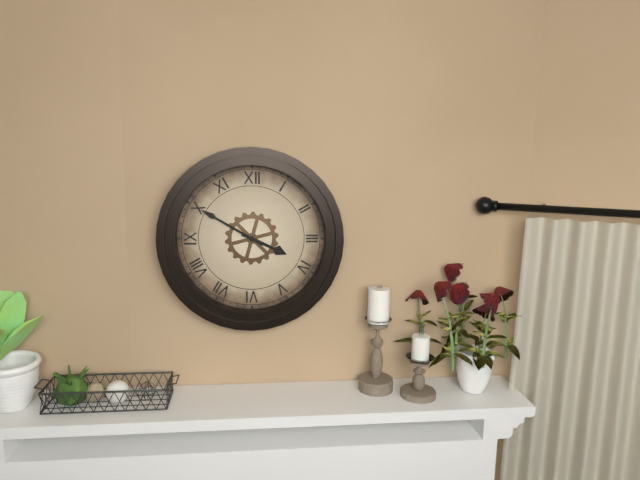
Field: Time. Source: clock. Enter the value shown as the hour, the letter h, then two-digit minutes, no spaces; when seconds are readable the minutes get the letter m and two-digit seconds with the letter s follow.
3h50
